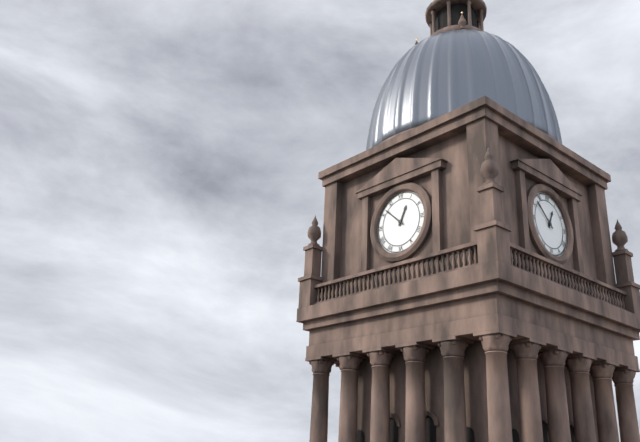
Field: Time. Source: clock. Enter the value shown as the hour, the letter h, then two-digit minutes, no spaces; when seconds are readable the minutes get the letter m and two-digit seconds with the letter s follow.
12h52
